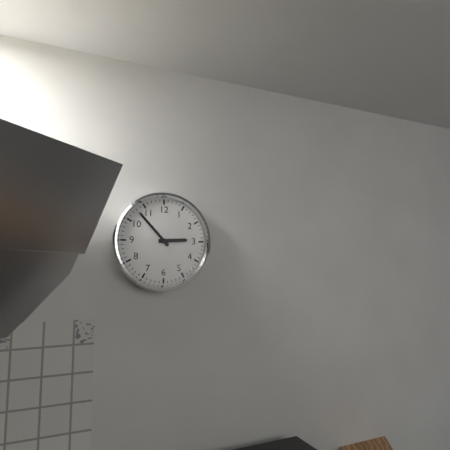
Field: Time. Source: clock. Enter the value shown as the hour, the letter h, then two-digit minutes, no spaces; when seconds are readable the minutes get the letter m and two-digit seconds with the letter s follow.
2h53
